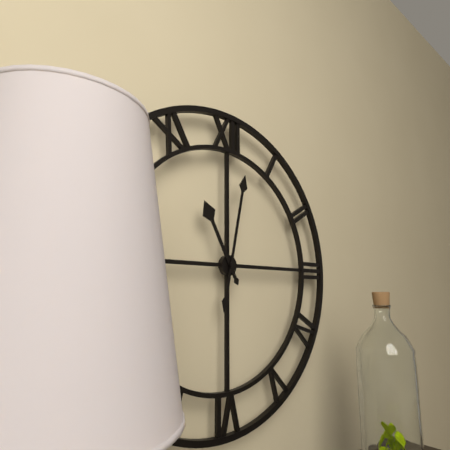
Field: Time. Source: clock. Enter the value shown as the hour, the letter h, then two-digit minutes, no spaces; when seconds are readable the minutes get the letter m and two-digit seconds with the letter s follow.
11h02
